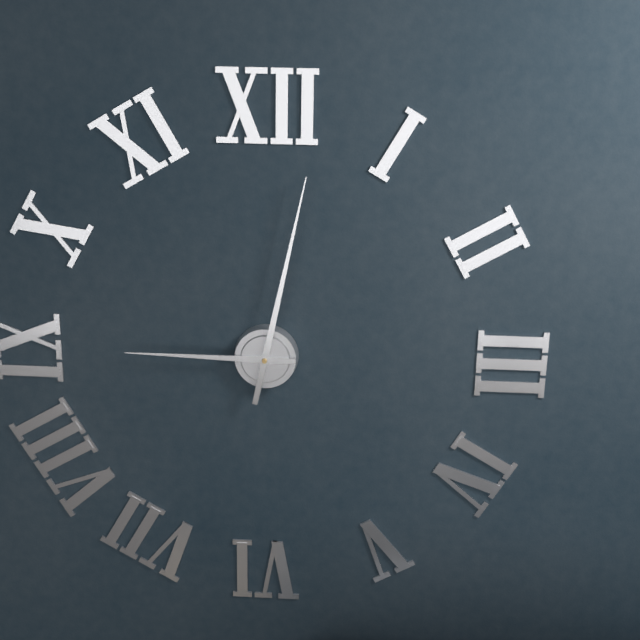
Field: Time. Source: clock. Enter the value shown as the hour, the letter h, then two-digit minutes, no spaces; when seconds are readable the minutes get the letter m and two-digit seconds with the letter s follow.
9h02
